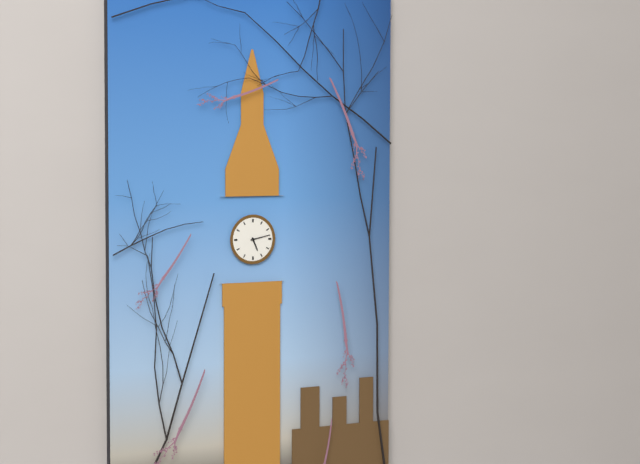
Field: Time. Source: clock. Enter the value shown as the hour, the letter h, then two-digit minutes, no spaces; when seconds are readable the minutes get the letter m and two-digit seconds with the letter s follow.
5h13
